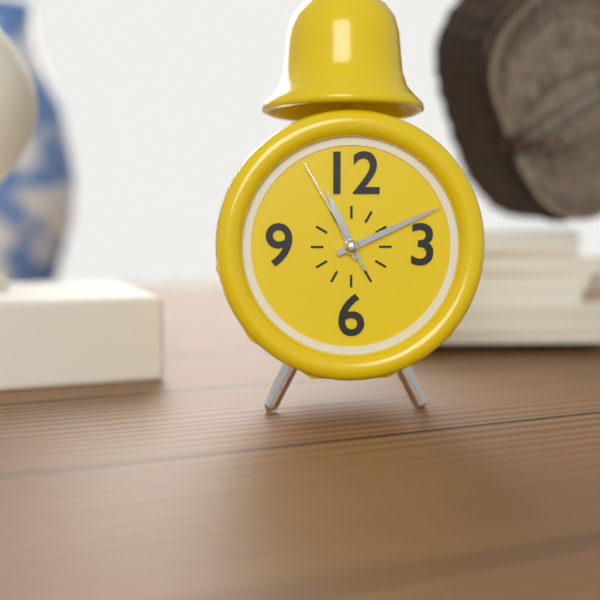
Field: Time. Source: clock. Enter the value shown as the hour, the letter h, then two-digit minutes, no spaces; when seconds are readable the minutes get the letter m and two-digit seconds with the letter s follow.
11h11m55s
